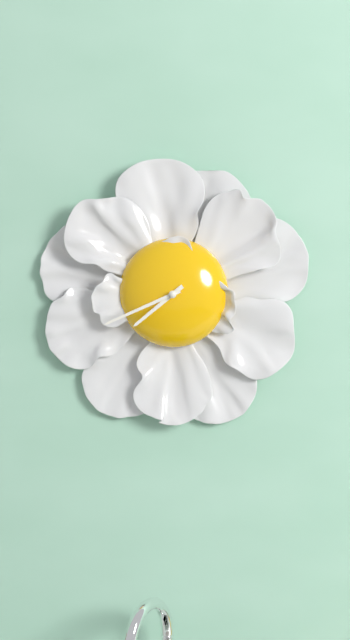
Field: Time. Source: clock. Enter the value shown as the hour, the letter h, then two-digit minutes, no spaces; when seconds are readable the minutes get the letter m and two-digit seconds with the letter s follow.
7h41
